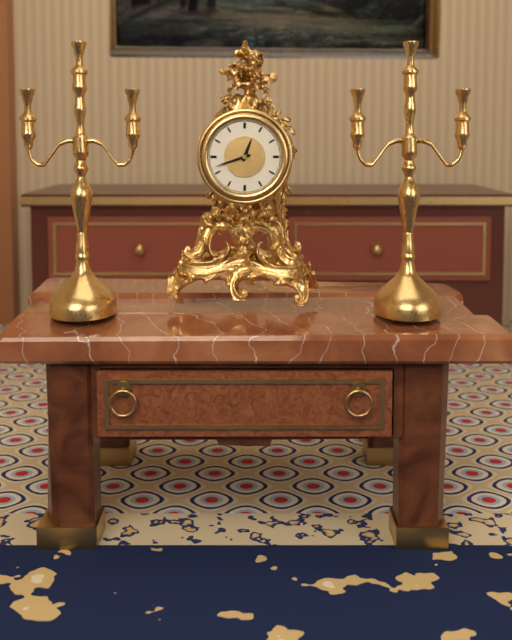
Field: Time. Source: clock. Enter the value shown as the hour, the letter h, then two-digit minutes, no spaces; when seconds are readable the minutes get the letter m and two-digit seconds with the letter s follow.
12h42
